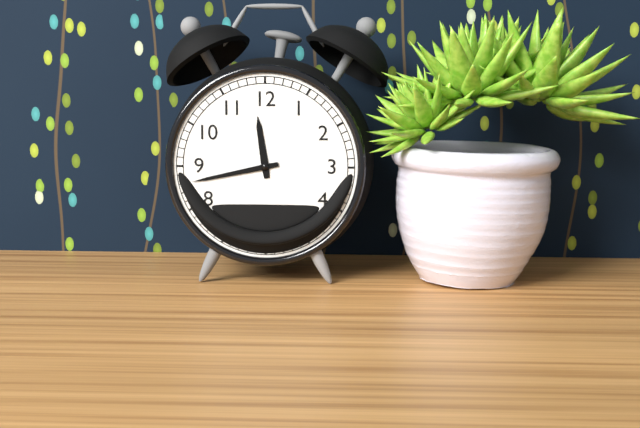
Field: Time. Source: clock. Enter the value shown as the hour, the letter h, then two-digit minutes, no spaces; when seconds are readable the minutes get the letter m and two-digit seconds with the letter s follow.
11h43
